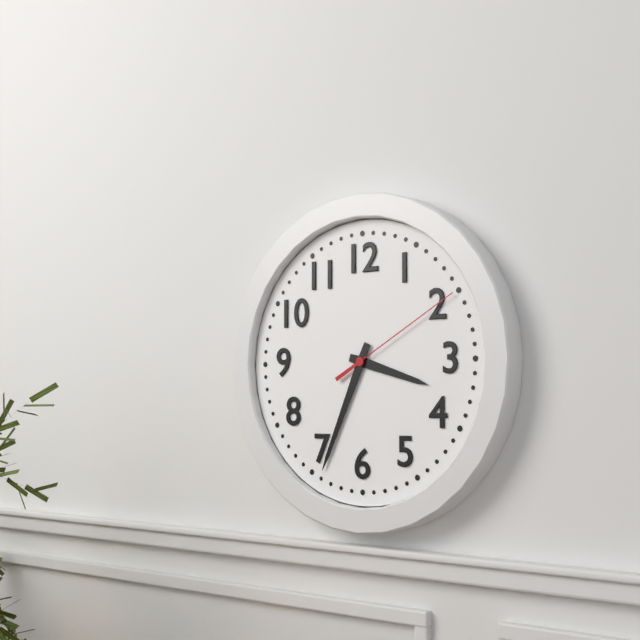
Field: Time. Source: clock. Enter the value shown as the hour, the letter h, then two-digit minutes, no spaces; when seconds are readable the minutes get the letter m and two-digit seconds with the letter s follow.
3h34m10s
